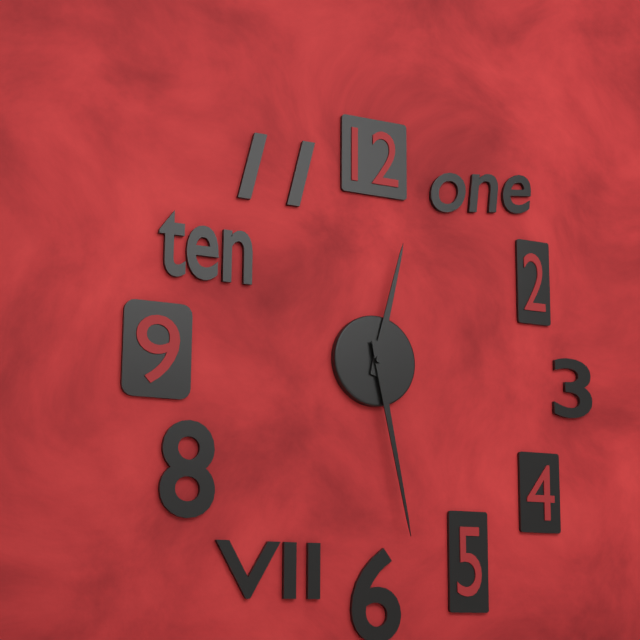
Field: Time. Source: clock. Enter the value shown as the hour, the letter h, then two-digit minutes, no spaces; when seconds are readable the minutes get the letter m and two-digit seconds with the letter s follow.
12h28
